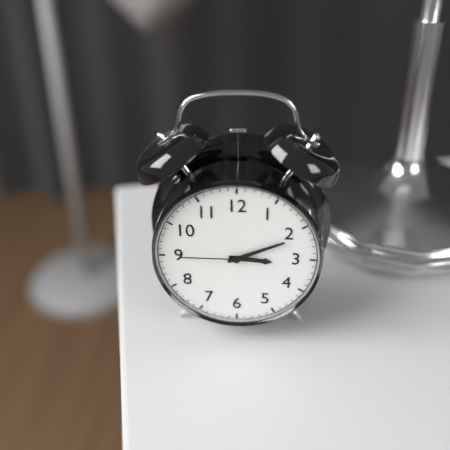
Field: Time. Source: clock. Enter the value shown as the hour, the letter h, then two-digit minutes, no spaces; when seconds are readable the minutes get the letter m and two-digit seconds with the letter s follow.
3h11m45s
